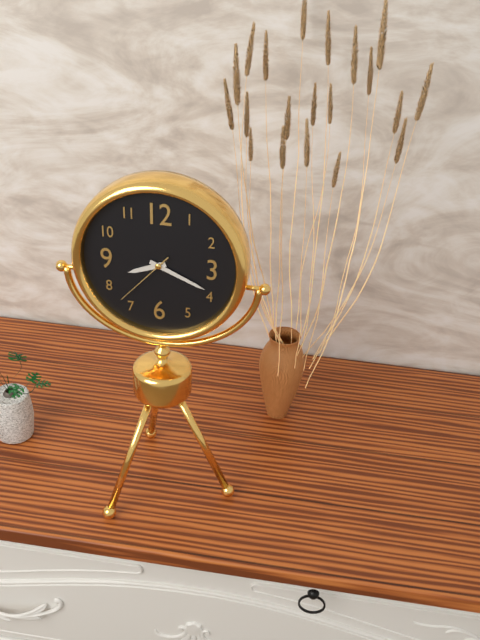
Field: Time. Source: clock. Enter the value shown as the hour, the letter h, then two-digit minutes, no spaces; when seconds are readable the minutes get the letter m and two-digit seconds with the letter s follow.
8h19m37s
